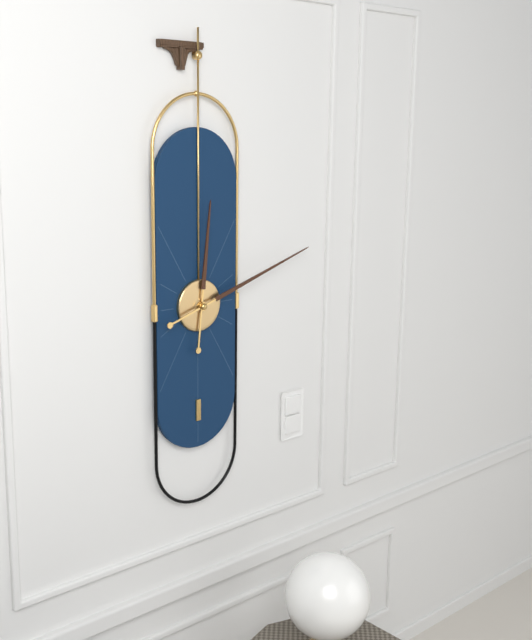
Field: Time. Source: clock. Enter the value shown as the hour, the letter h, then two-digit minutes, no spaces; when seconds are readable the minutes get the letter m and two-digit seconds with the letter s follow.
12h12
